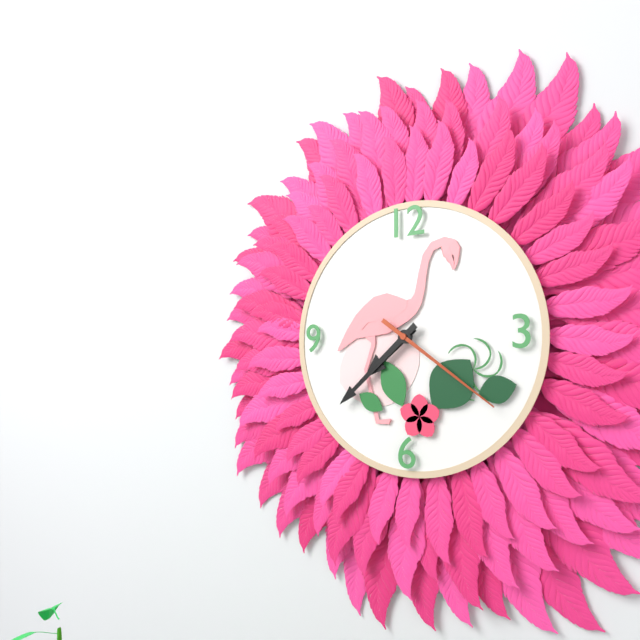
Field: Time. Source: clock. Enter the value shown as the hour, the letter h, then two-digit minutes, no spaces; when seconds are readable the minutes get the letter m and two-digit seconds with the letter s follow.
7h38m21s
